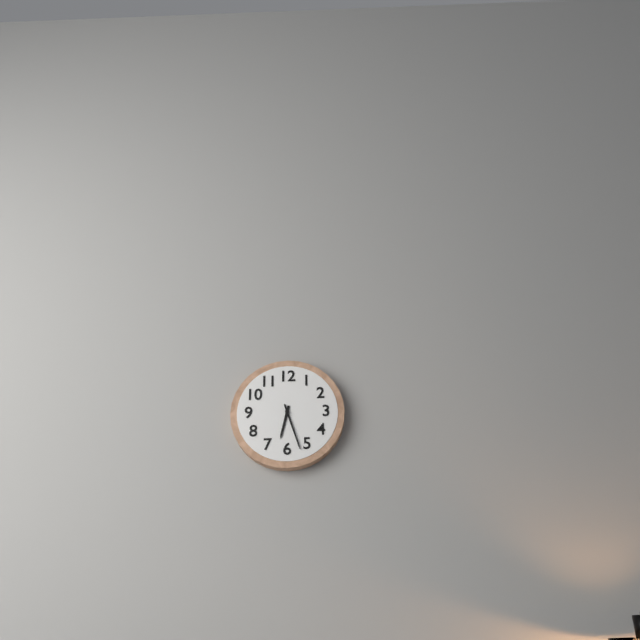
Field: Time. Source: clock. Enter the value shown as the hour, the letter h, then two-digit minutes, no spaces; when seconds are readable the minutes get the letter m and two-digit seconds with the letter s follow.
6h27
